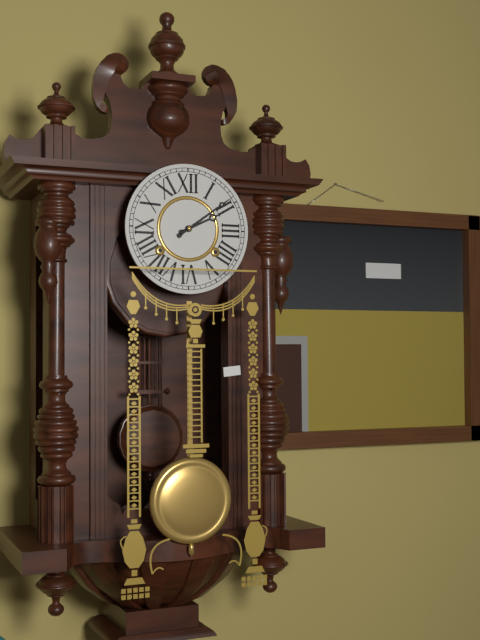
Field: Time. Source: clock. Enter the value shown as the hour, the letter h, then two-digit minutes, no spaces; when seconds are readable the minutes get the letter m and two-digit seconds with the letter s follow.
2h09
